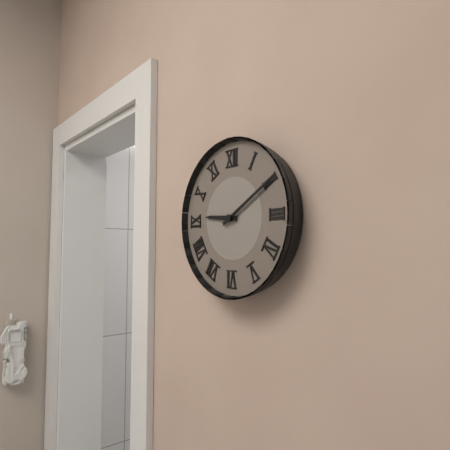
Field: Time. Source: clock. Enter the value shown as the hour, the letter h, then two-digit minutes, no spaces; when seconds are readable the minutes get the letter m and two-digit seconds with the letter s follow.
9h10
